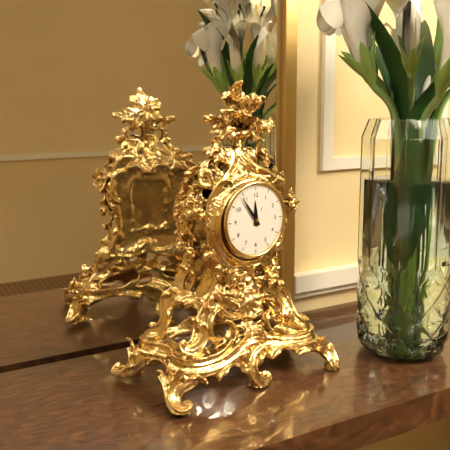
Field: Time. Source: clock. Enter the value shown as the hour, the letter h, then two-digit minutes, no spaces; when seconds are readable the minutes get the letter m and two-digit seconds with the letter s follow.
11h54
